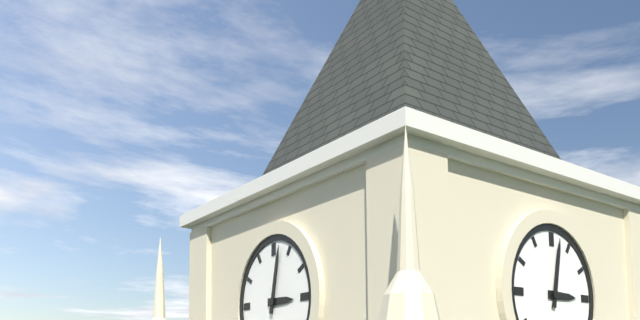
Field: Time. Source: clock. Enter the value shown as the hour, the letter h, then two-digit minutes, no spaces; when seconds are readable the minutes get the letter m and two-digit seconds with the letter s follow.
3h02
